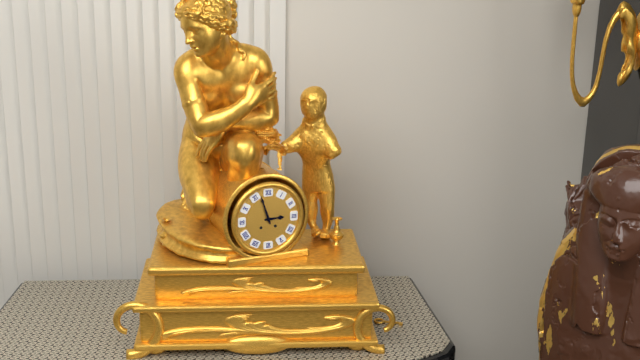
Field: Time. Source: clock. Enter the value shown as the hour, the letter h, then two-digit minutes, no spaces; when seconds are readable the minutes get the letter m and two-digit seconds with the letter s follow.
2h57
